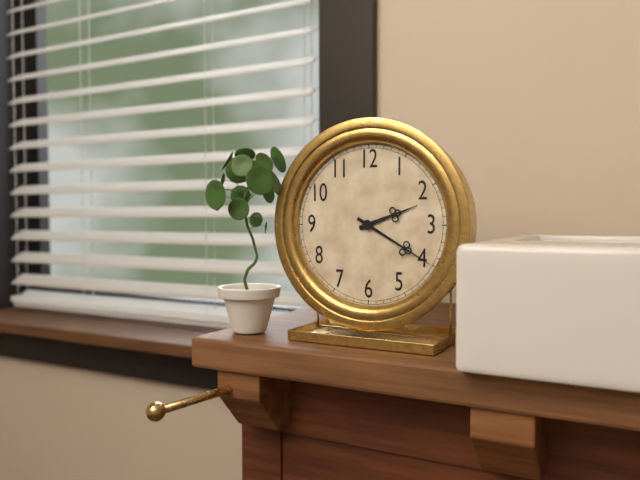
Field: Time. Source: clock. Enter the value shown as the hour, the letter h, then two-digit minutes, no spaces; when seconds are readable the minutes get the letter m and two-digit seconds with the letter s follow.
2h20
